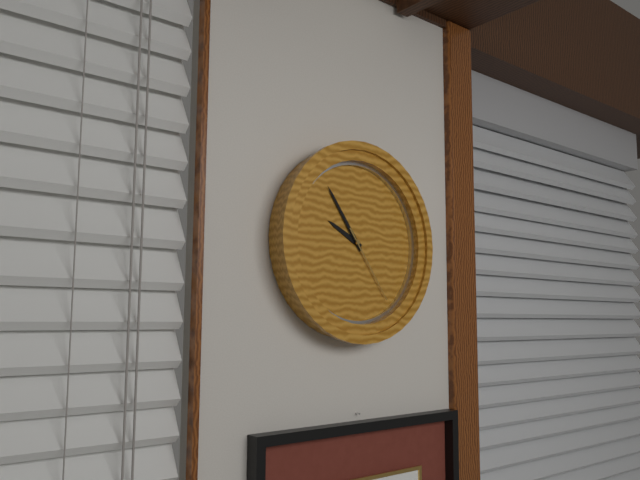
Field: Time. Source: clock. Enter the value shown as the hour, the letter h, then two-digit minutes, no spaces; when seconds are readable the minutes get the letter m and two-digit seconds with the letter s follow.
9h54m24s
